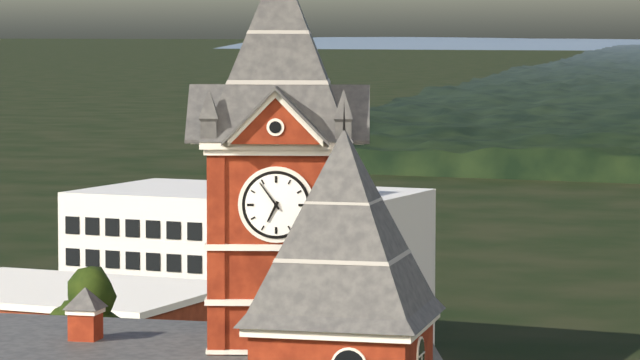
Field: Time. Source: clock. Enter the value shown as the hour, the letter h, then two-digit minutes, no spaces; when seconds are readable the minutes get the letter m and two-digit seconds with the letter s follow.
6h54
